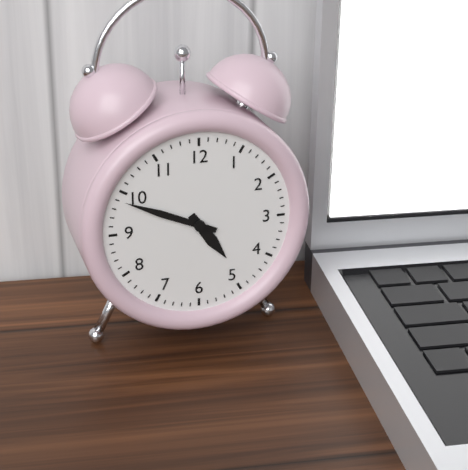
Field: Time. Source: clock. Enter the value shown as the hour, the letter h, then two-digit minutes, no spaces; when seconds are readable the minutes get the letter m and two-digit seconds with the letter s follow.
4h49
